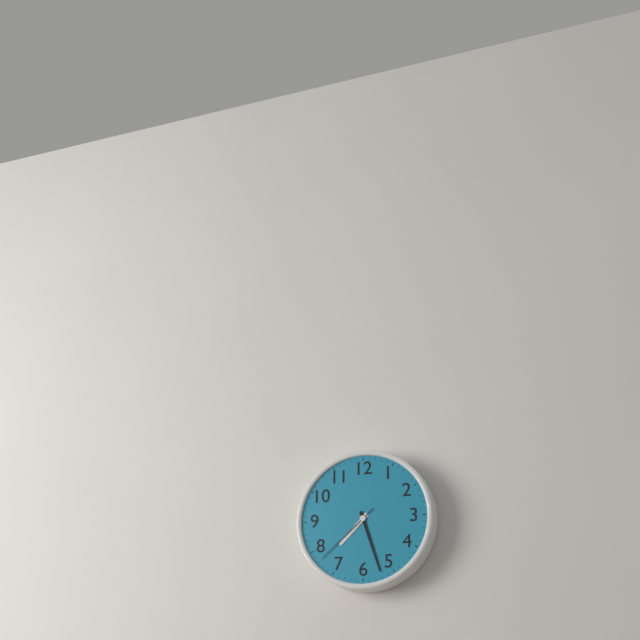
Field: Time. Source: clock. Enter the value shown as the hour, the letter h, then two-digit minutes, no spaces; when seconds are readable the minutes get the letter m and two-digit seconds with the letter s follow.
7h27m38s
